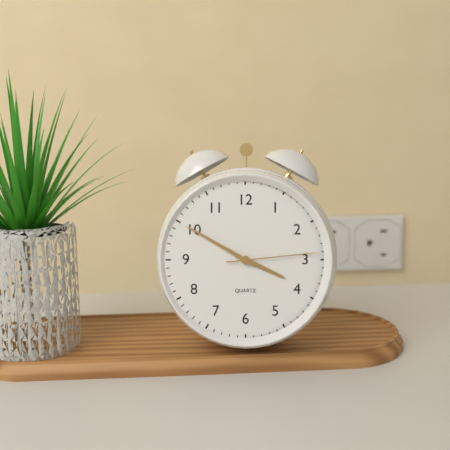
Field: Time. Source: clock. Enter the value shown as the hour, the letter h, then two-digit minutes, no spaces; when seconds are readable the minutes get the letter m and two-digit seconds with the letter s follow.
3h50m14s
